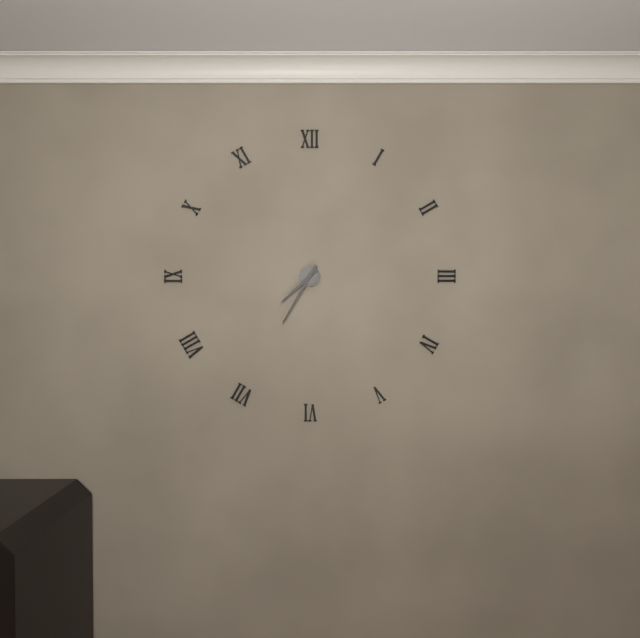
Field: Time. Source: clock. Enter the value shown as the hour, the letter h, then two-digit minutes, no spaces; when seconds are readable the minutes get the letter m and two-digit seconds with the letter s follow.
7h35
